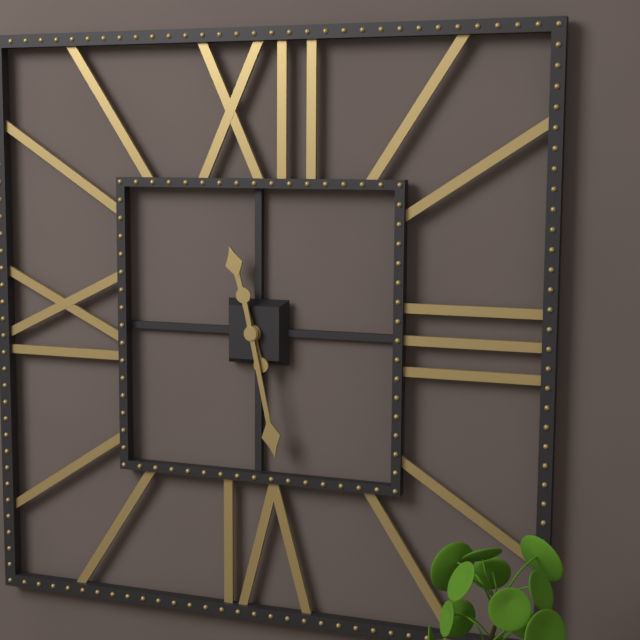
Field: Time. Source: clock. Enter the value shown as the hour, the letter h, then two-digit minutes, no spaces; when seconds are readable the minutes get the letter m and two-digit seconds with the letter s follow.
11h28
